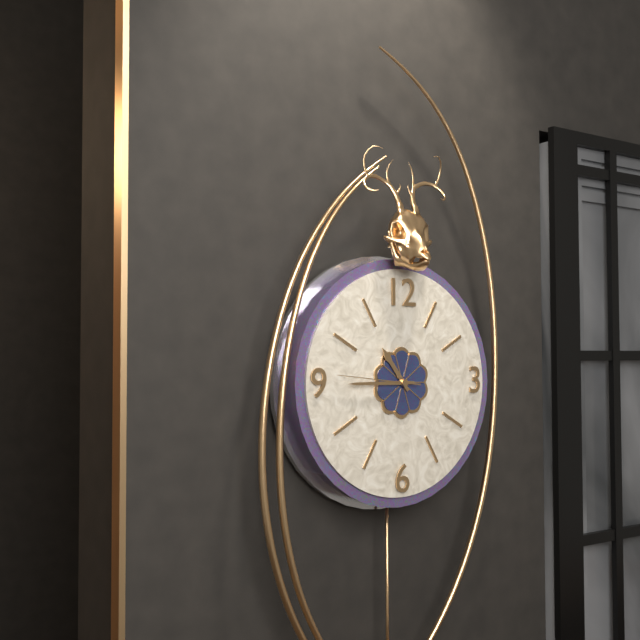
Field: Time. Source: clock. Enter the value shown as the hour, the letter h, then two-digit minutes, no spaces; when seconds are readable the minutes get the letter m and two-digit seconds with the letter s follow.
10h45m46s
